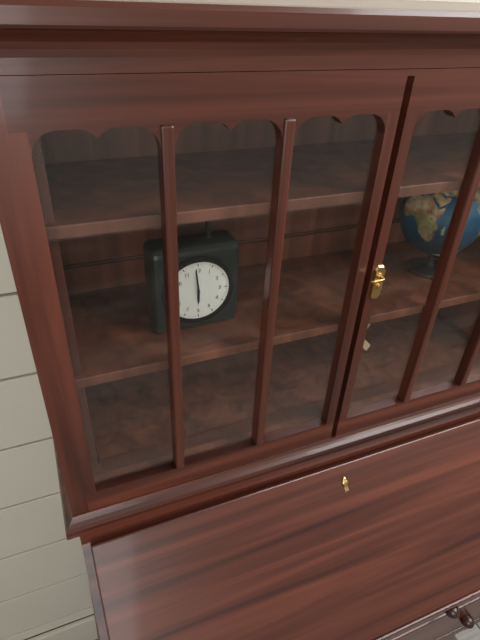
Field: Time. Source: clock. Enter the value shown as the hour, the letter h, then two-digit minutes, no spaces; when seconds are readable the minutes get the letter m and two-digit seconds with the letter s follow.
5h59
